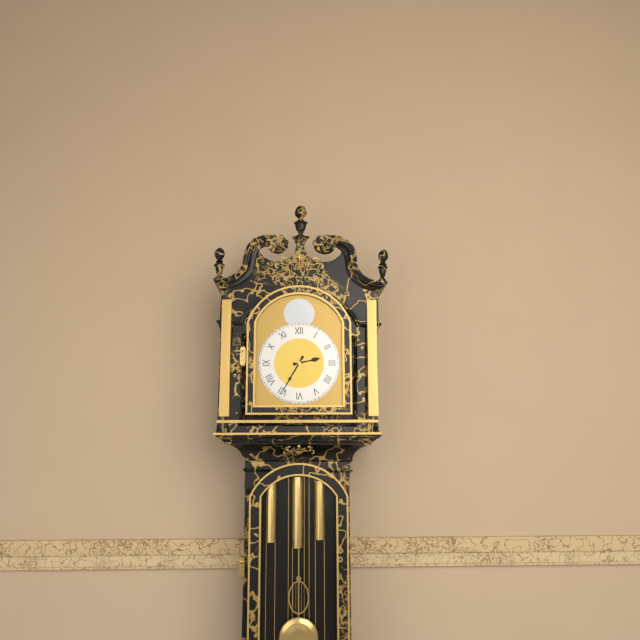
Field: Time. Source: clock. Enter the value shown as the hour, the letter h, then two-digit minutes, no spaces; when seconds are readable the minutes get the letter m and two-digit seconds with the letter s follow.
2h35
